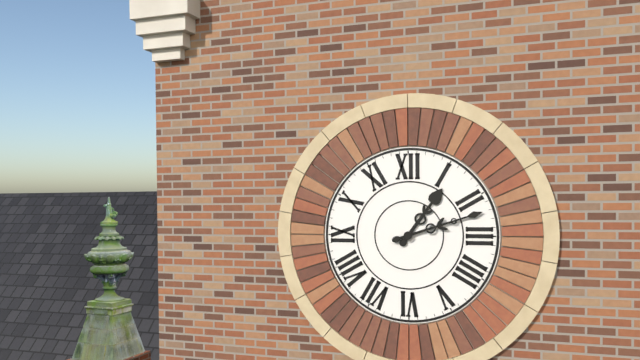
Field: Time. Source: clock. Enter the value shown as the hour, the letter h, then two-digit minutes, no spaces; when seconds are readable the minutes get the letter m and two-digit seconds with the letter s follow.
1h12
